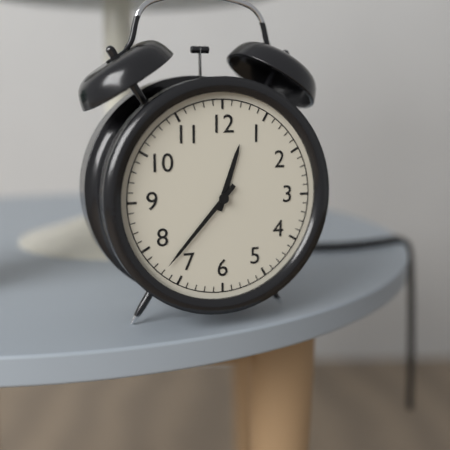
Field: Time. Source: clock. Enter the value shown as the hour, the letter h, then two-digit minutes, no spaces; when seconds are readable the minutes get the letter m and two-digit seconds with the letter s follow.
12h37
